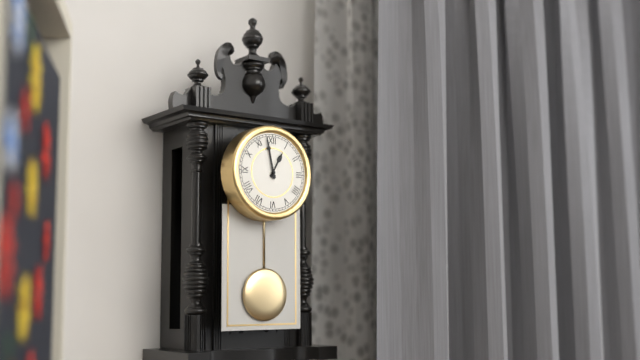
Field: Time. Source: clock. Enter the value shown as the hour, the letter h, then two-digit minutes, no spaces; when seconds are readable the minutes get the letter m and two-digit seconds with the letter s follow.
12h58
